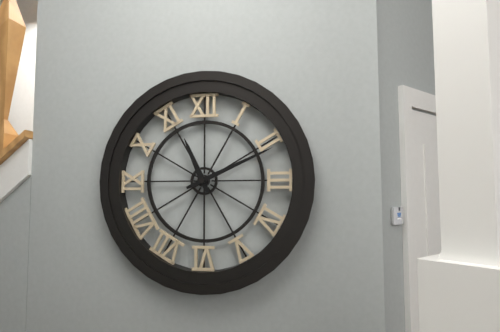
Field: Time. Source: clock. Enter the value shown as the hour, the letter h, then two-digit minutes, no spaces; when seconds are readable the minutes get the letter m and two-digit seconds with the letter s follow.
11h11
